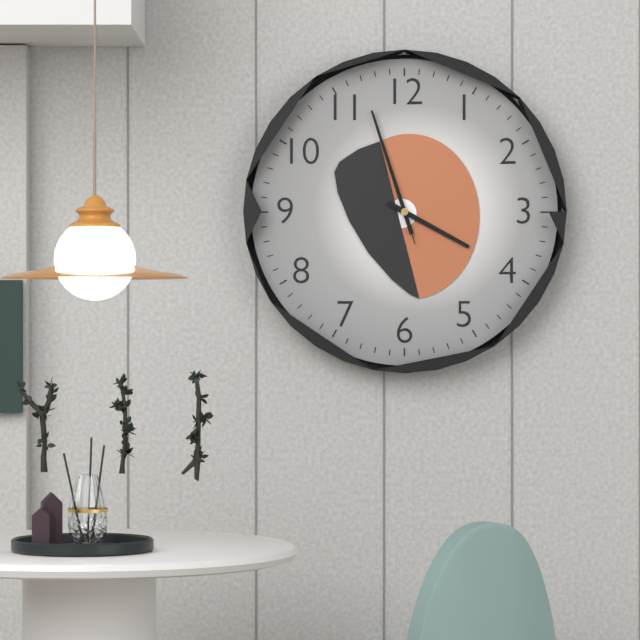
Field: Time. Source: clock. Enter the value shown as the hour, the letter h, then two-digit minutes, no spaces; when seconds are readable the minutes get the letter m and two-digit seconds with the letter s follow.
3h57m57s
